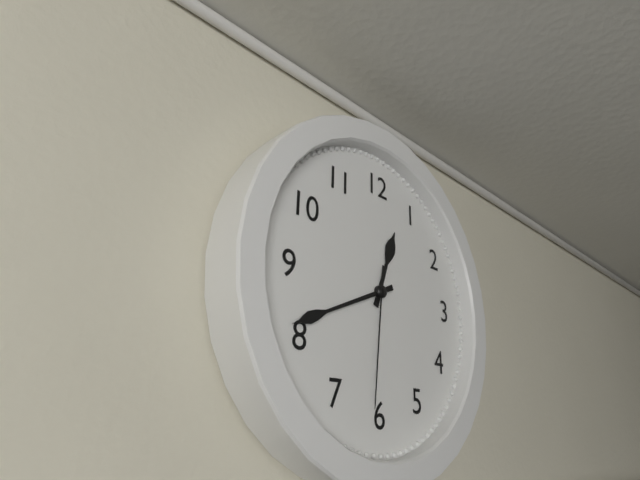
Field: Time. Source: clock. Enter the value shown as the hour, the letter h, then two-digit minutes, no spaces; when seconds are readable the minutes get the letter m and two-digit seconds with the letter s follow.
12h41m31s
